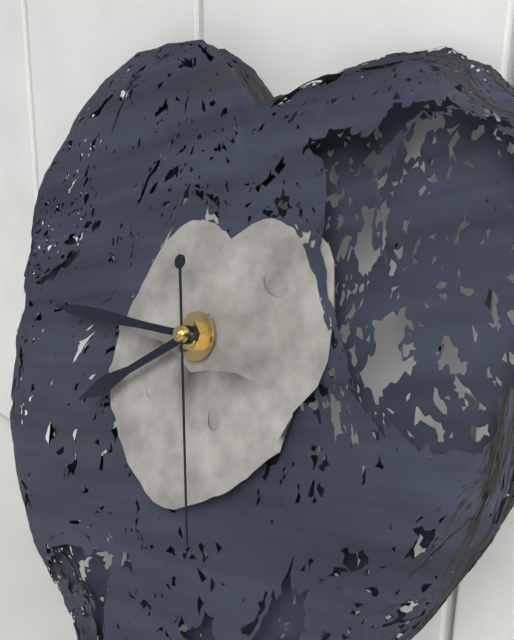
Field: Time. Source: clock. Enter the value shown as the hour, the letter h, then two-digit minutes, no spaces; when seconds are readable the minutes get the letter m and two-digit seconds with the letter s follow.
7h44m26s
